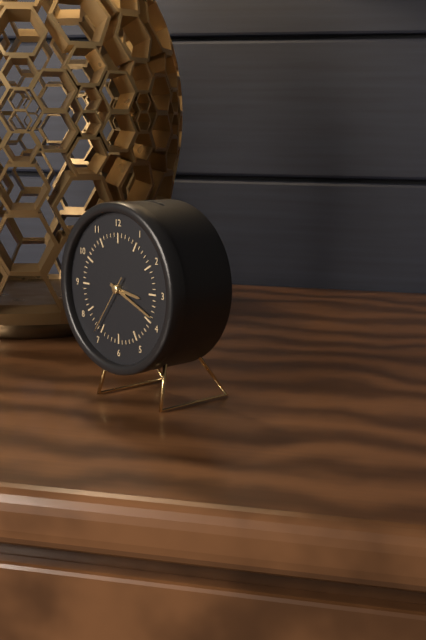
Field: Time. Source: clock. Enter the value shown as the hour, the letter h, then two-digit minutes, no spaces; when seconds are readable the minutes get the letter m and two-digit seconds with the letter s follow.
3h19m36s
